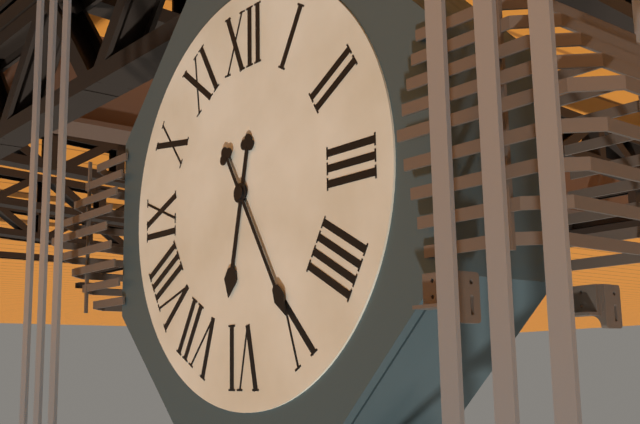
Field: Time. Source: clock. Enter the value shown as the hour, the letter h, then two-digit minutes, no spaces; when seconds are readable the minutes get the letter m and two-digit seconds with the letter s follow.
6h25
